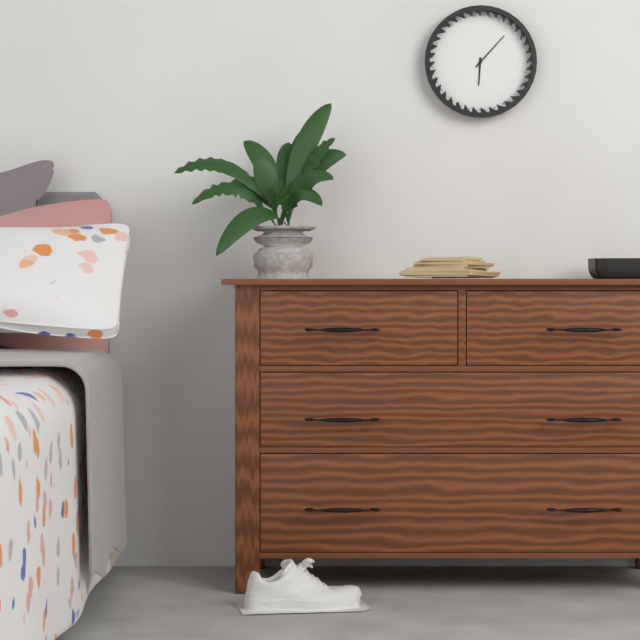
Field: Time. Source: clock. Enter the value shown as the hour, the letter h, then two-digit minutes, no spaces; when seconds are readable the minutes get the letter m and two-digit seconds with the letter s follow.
6h07
